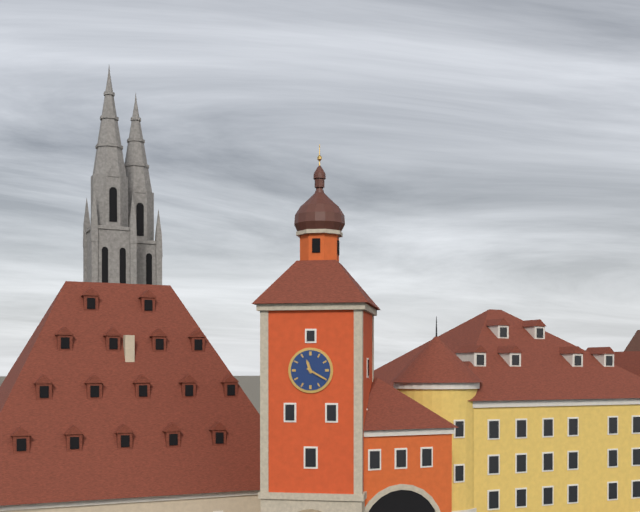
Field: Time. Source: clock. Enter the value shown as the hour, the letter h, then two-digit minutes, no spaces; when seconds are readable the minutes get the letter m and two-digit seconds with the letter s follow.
11h20
